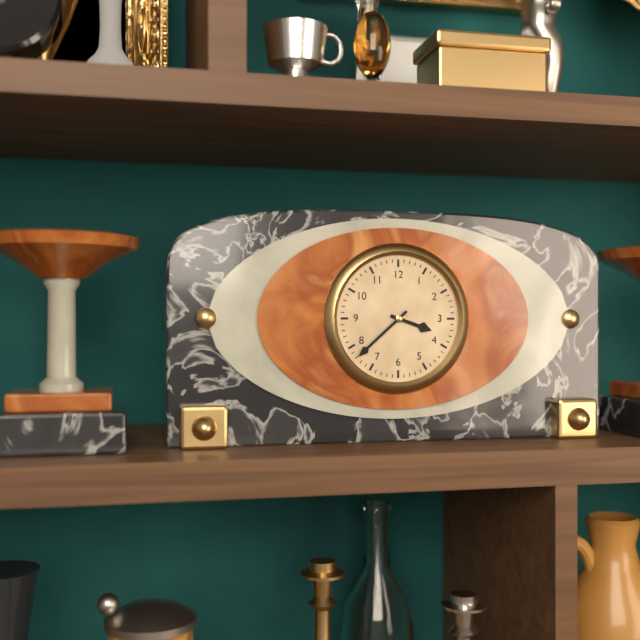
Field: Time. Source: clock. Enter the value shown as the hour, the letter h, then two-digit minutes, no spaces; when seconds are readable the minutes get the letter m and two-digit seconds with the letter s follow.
3h38
